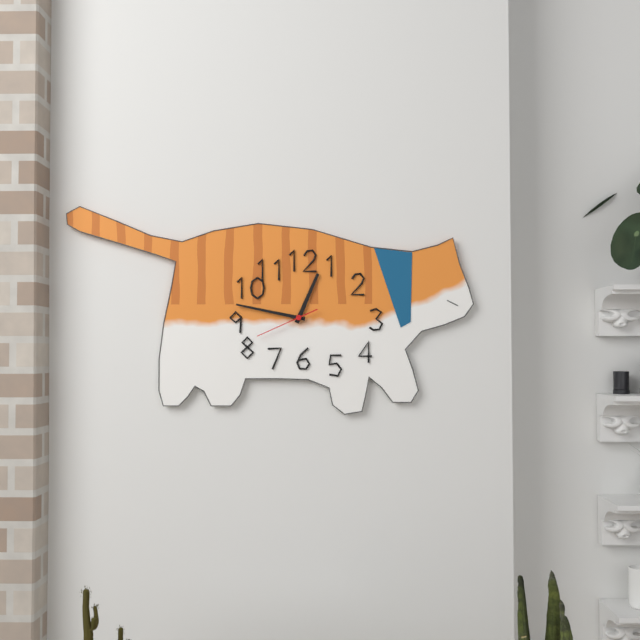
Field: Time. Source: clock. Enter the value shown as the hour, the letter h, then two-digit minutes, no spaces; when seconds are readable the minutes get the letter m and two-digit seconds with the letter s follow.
12h47m41s
